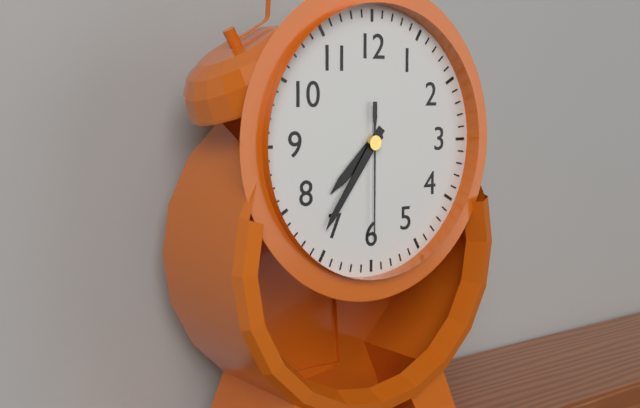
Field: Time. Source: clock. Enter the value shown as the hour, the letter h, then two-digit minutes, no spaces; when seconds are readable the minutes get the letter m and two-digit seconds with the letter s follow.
7h36m30s
